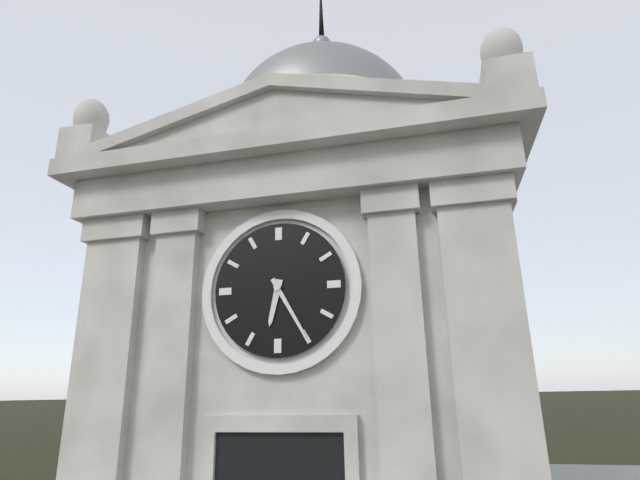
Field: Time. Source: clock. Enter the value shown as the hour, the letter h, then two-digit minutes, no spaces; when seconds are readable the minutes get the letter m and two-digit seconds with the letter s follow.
6h25
